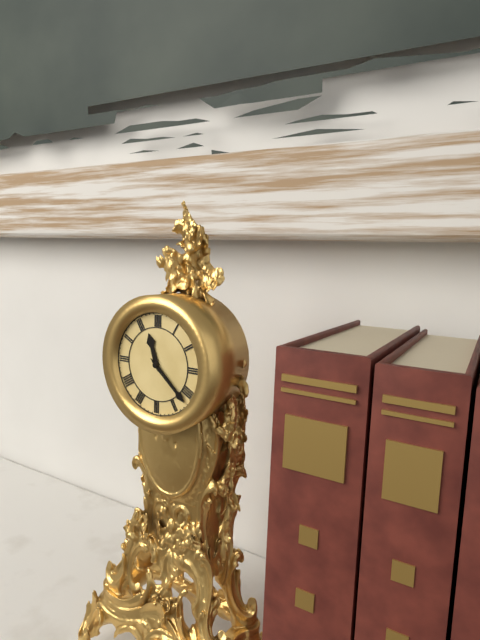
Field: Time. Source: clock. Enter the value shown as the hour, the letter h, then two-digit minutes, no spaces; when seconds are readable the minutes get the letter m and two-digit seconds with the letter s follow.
11h22
